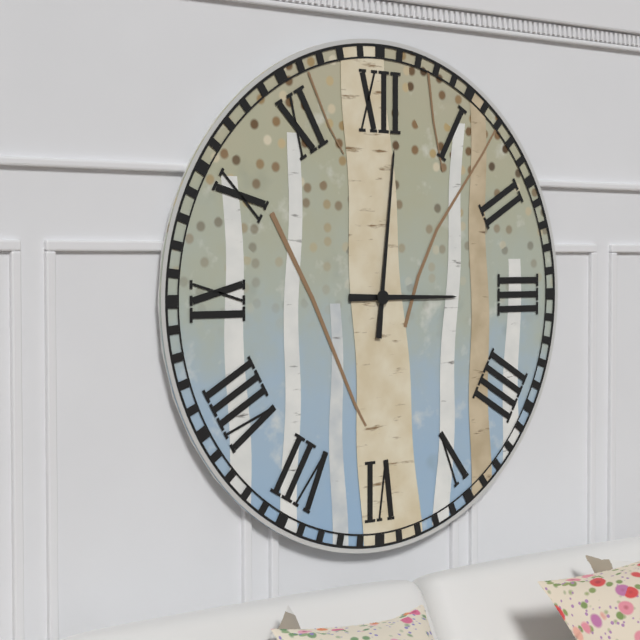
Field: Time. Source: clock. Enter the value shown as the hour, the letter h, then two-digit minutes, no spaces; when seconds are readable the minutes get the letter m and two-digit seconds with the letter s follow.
3h01
